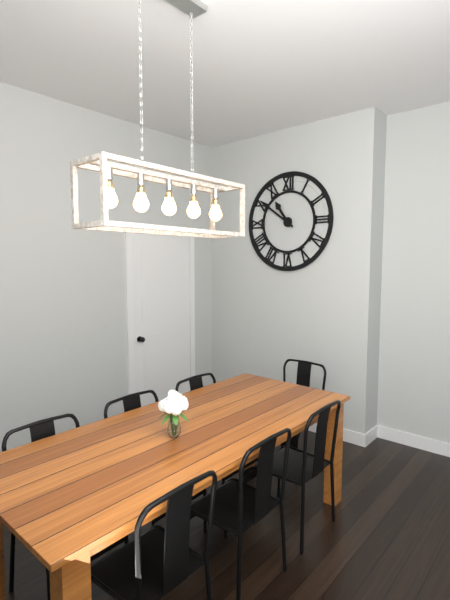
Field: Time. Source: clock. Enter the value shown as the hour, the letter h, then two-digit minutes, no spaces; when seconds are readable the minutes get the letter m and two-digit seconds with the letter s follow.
10h51
